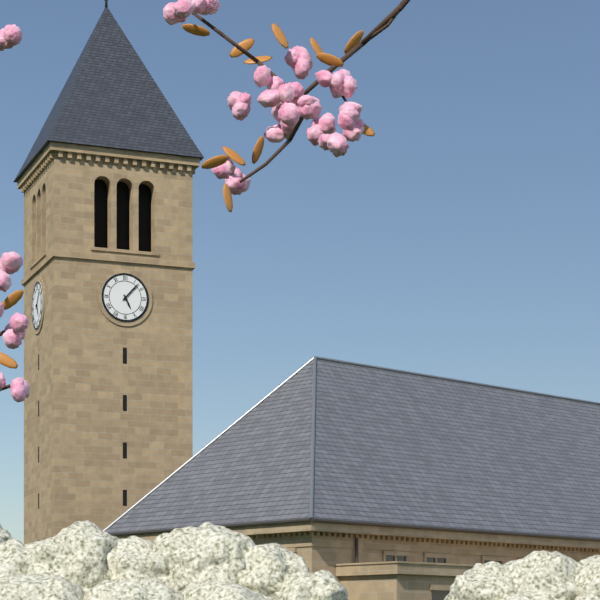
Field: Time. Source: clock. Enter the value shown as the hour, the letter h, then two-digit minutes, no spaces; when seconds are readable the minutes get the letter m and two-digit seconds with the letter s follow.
5h07
